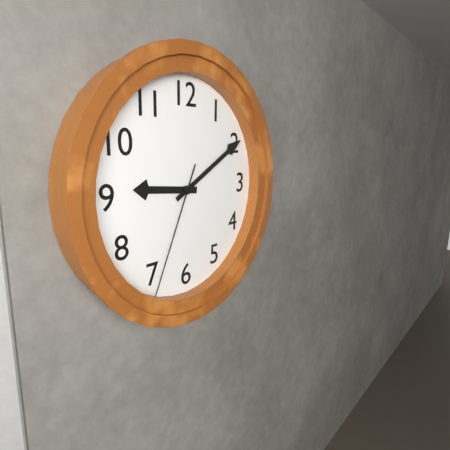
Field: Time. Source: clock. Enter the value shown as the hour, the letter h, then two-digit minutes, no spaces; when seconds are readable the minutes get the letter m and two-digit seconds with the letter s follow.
9h10m34s
